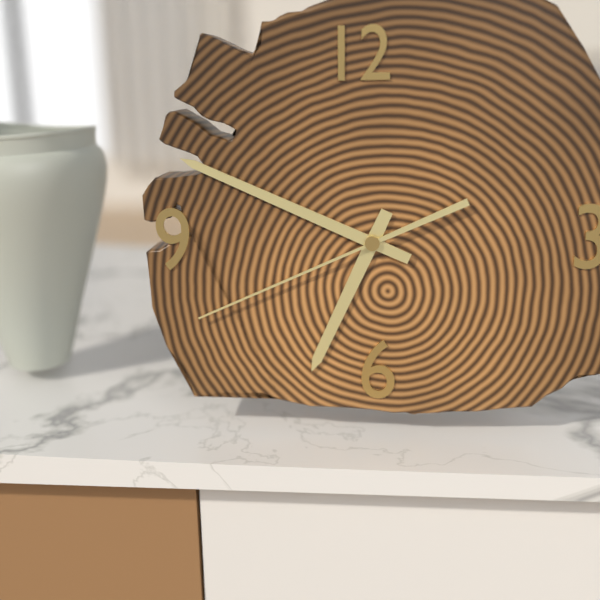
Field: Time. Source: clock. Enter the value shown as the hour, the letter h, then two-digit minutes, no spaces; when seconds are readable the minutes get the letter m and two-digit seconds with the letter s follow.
6h49m41s
